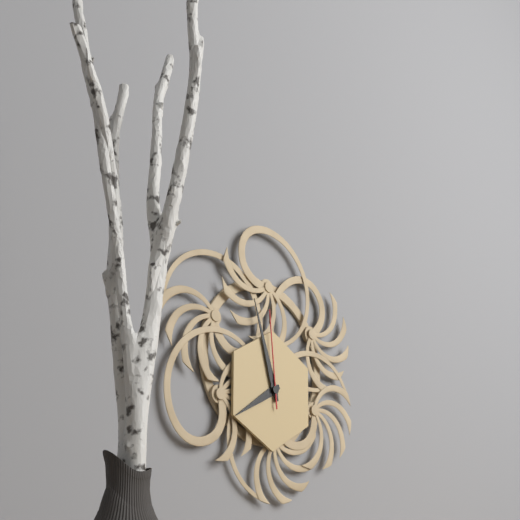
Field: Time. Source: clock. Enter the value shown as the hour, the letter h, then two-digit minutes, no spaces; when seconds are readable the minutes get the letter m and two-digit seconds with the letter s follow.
7h57m59s
